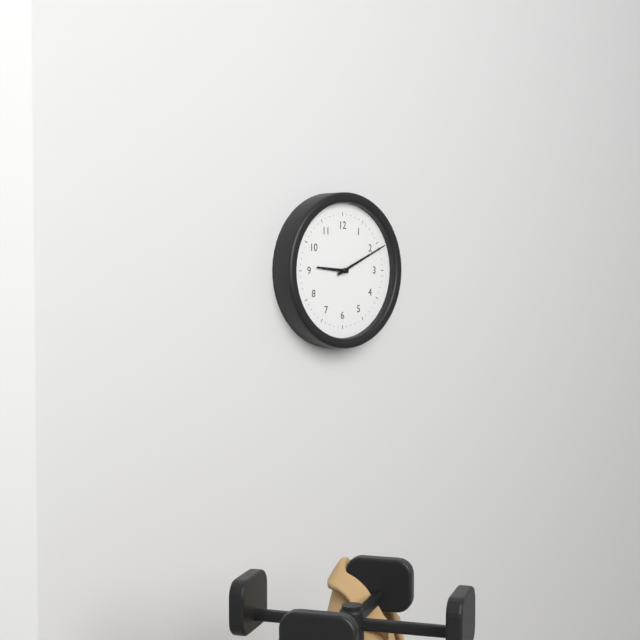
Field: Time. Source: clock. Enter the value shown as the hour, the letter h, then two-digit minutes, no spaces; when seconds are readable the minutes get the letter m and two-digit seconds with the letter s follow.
9h11
